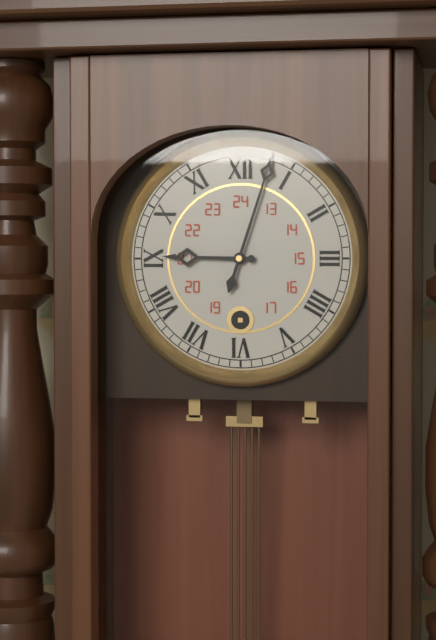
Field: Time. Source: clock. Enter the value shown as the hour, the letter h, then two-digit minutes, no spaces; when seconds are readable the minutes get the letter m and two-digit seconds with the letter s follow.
9h03
